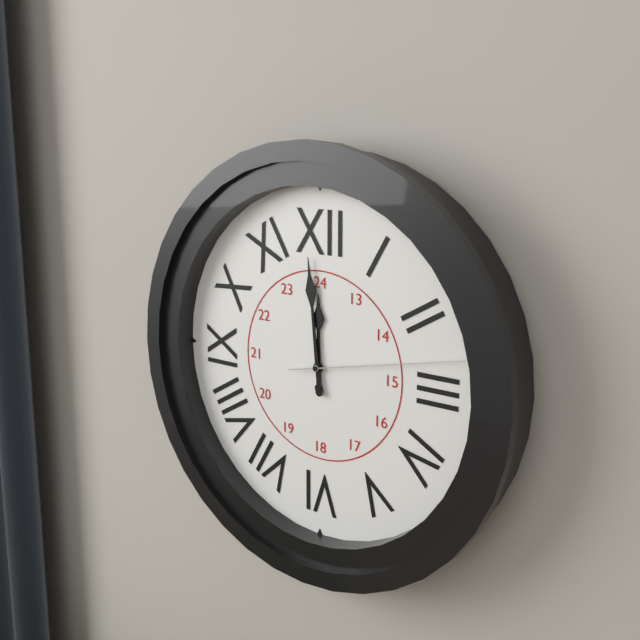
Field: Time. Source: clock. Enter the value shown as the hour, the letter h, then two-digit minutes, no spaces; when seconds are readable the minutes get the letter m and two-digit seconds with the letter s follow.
11h59m13s
